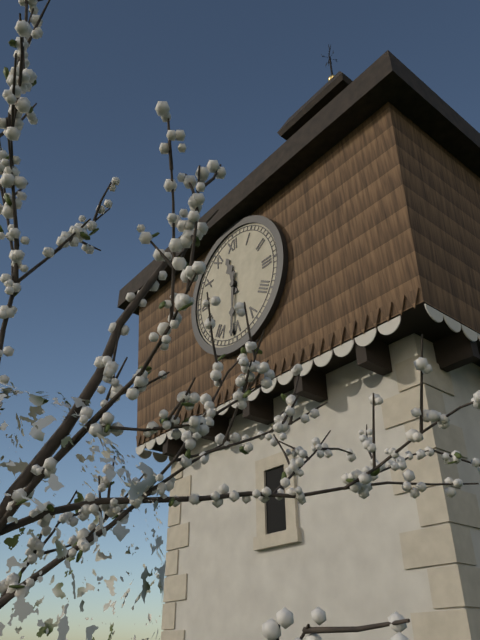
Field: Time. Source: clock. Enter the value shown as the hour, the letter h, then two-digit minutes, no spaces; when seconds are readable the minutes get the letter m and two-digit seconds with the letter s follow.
11h31
